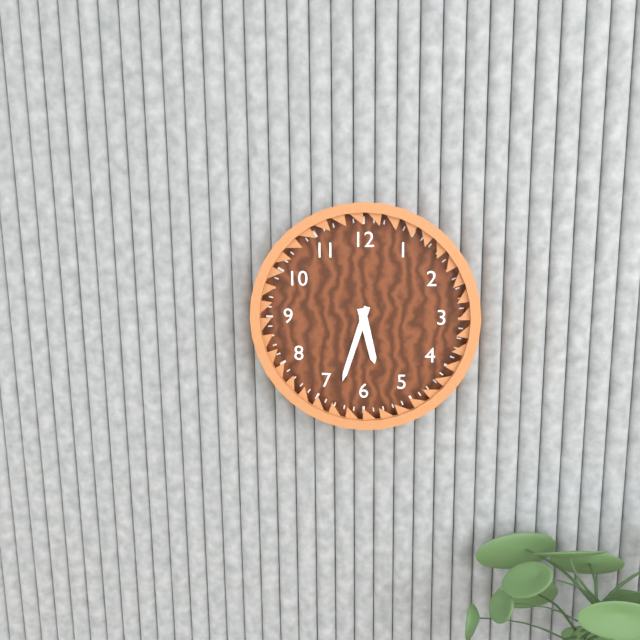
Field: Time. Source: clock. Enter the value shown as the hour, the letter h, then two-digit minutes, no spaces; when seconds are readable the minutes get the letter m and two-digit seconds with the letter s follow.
5h33
